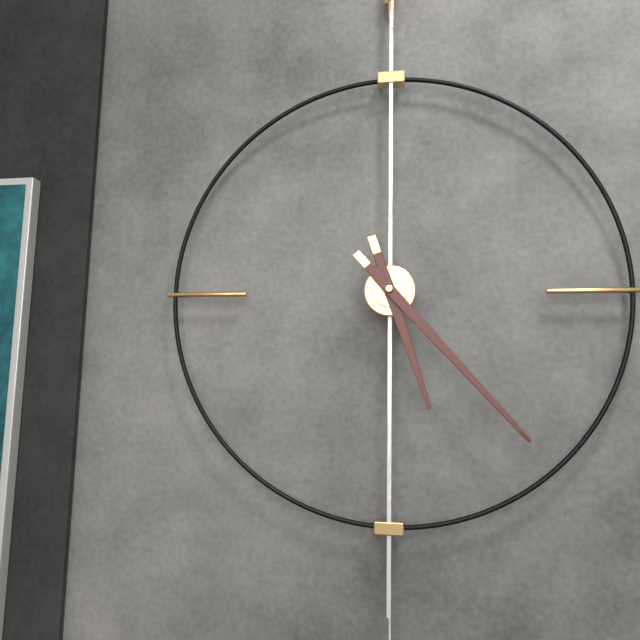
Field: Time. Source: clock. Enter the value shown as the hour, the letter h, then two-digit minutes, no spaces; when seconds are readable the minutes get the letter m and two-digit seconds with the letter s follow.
5h23
